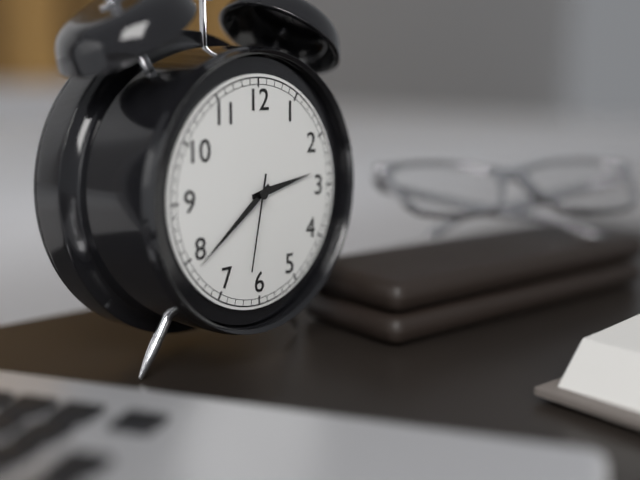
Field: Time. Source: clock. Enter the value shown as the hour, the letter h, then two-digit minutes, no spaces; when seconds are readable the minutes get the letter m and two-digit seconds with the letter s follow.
2h39m32s
